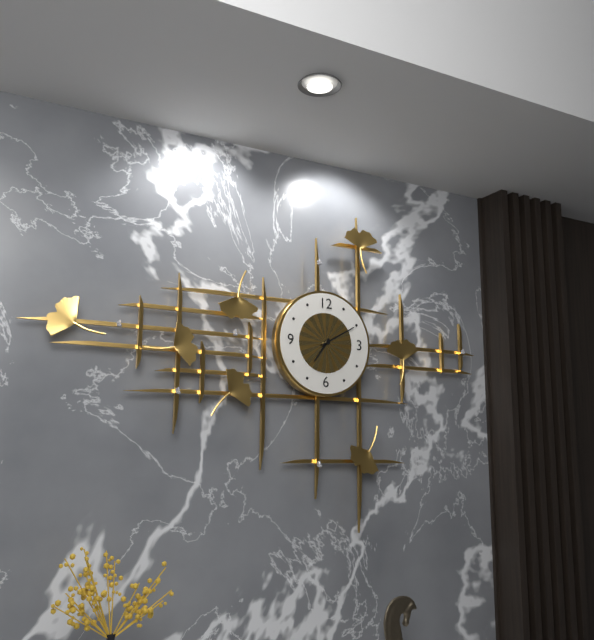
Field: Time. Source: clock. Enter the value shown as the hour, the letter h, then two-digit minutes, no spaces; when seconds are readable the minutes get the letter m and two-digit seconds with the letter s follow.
7h10
